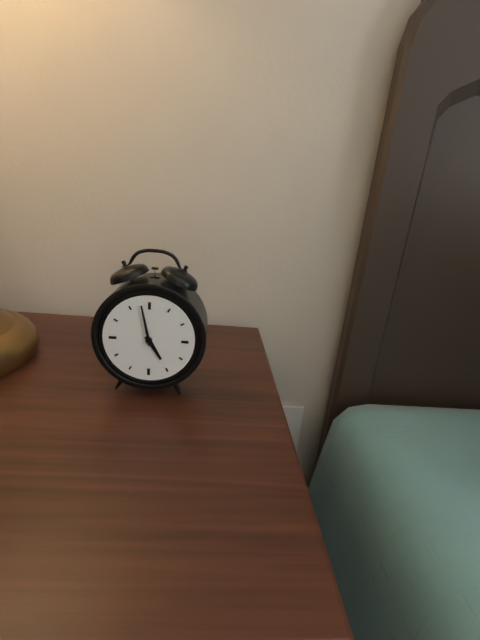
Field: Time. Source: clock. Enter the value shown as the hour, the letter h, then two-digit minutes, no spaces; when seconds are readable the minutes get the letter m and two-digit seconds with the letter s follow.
4h58
